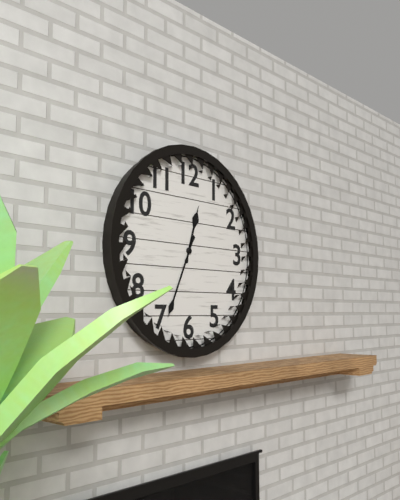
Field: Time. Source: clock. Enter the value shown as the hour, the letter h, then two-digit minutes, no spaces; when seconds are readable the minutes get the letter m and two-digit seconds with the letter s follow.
12h34
